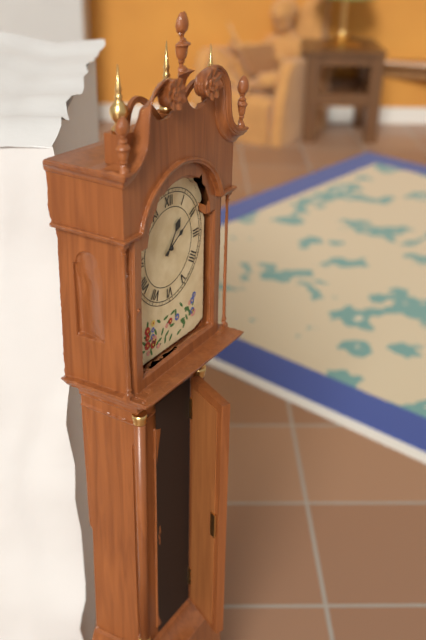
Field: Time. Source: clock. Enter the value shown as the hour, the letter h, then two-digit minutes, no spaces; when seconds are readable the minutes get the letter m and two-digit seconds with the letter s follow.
1h10
